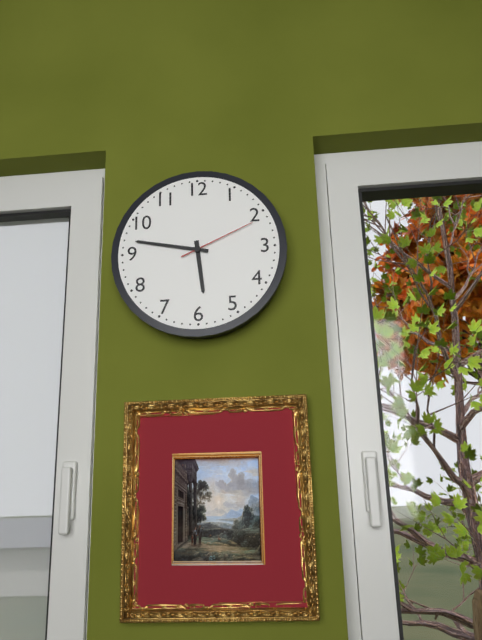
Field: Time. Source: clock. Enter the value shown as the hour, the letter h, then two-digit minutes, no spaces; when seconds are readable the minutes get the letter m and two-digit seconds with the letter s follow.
5h47m11s
